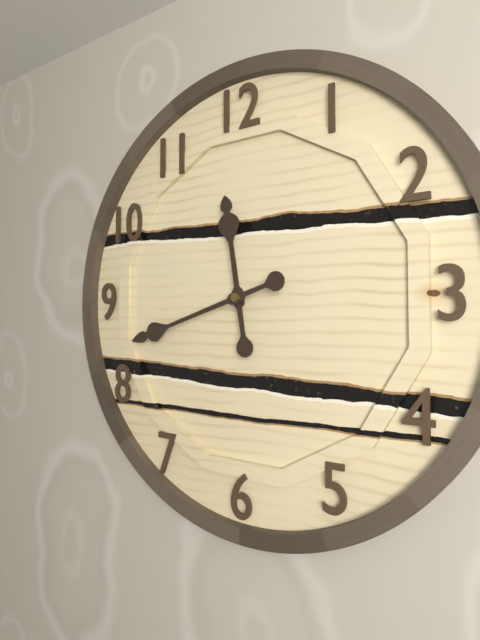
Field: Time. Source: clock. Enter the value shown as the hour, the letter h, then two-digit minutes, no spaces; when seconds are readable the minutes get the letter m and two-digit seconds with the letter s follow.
11h42
